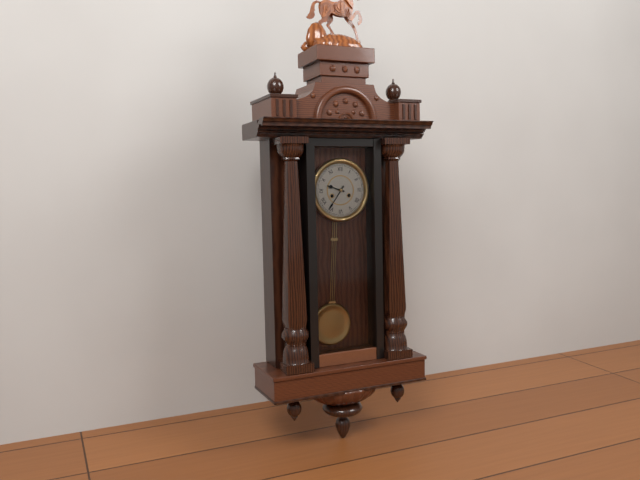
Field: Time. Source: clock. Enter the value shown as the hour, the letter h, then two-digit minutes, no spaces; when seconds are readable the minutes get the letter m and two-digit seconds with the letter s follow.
9h36
